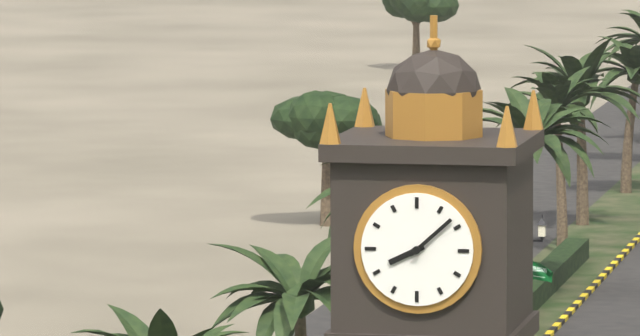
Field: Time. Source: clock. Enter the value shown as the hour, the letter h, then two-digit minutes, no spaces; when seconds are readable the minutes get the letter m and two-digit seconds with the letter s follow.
8h08
